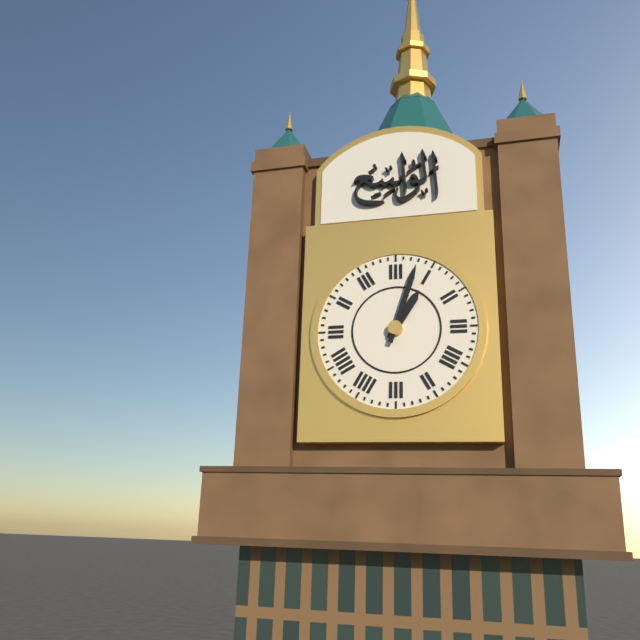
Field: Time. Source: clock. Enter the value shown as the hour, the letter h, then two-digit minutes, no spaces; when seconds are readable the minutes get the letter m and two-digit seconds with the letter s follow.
1h03
